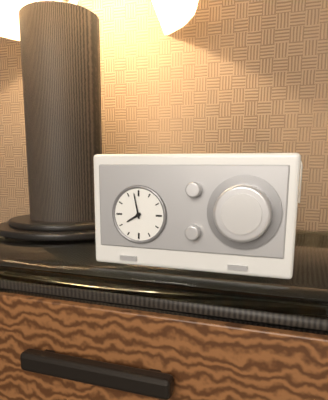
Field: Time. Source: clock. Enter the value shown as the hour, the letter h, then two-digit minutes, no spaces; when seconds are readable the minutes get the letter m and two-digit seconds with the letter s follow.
7h58
